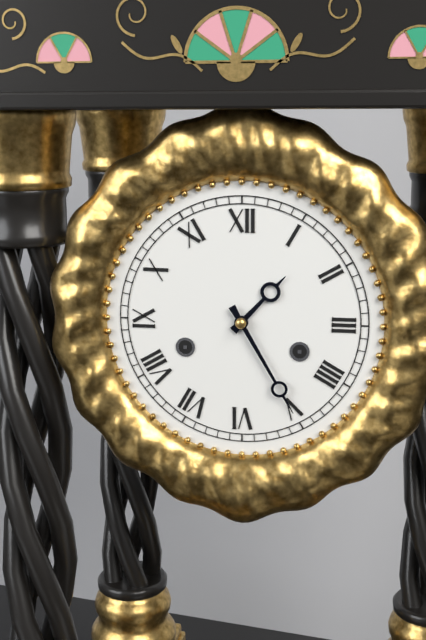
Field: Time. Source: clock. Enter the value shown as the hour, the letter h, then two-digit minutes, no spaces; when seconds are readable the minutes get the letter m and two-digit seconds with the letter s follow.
1h25
